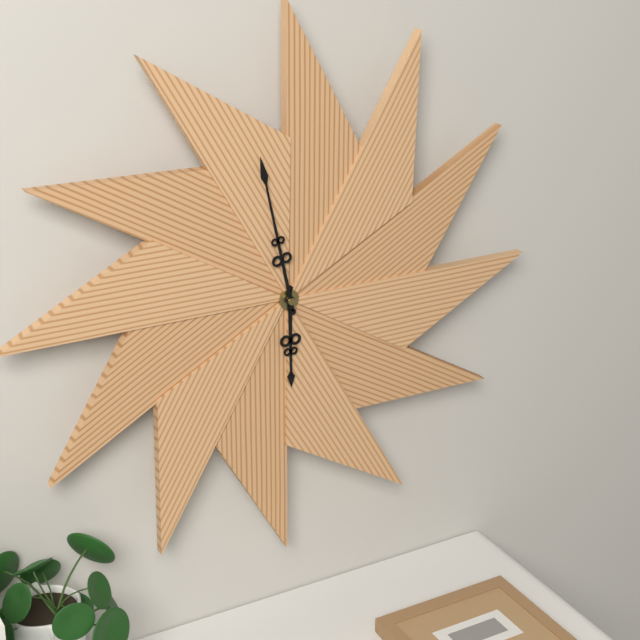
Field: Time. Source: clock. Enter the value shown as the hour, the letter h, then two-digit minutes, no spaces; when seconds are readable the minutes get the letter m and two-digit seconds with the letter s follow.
5h58
